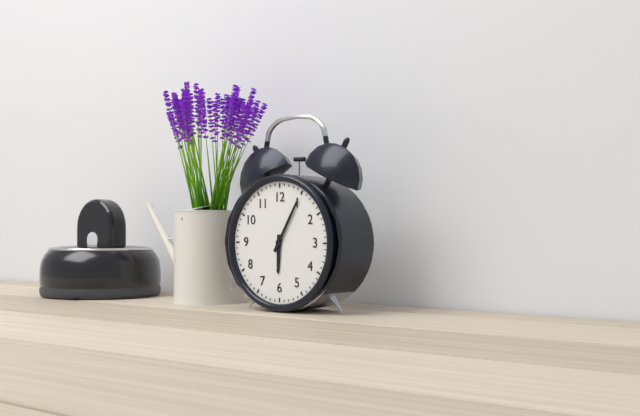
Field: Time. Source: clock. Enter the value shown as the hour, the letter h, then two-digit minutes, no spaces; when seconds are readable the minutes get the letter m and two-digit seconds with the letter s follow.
6h05
